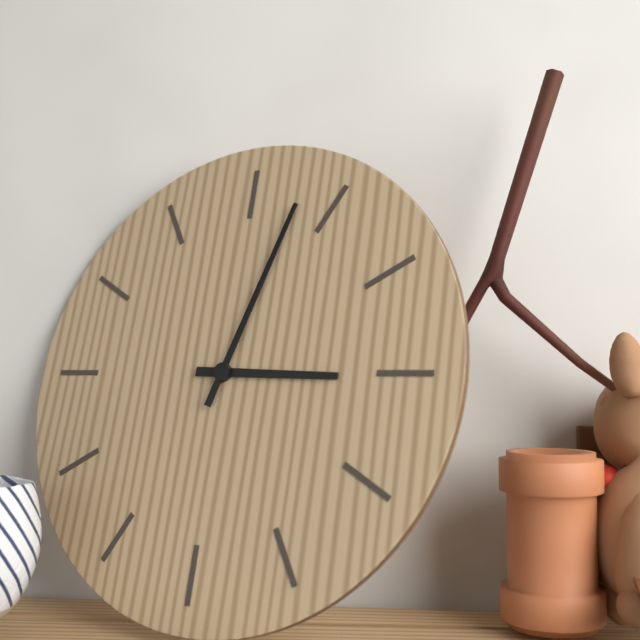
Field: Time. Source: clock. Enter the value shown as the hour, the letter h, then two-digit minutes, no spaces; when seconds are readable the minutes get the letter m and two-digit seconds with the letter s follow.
3h03
